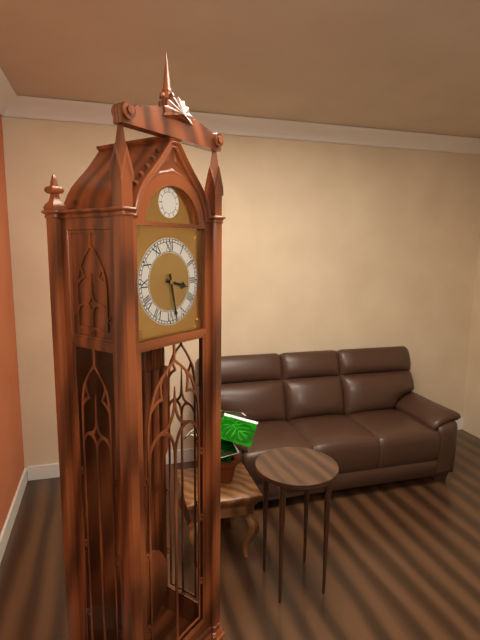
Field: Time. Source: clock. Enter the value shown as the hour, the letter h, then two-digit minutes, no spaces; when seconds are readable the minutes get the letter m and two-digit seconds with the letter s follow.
3h28
